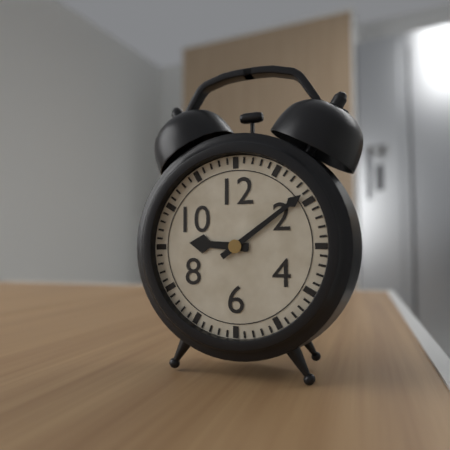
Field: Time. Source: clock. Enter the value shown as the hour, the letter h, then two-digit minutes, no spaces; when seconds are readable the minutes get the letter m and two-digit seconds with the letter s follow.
9h09
